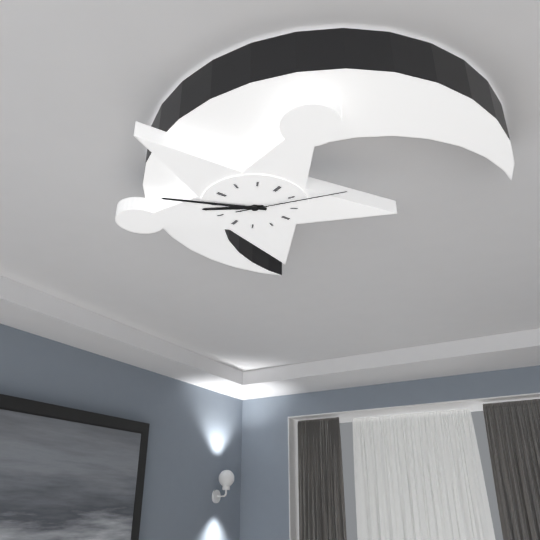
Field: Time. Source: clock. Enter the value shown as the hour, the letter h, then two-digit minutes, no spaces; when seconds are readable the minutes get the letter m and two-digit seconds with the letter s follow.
7h41m06s
